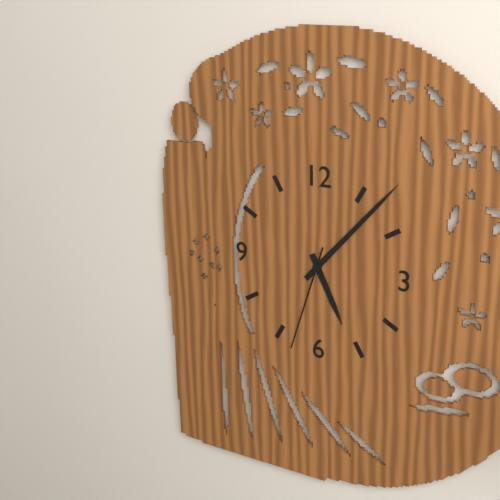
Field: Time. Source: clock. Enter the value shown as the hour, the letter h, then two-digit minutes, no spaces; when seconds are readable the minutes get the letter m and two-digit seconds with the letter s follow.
5h07m33s
